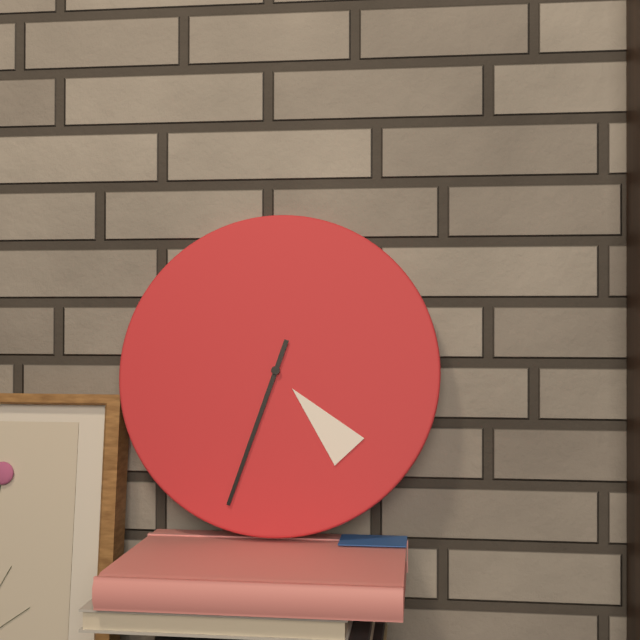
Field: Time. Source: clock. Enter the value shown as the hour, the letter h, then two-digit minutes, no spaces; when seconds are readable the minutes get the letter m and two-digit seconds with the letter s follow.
4h33
